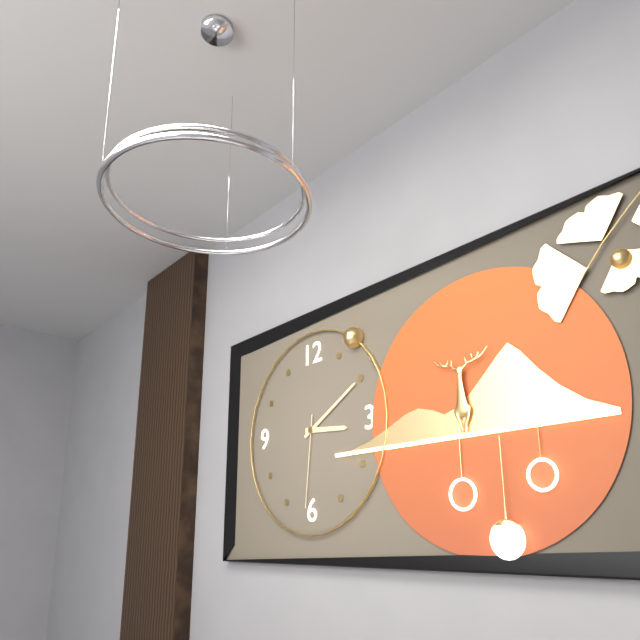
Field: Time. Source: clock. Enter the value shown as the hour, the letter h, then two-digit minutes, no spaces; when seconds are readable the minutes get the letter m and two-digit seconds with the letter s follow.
3h10m31s
